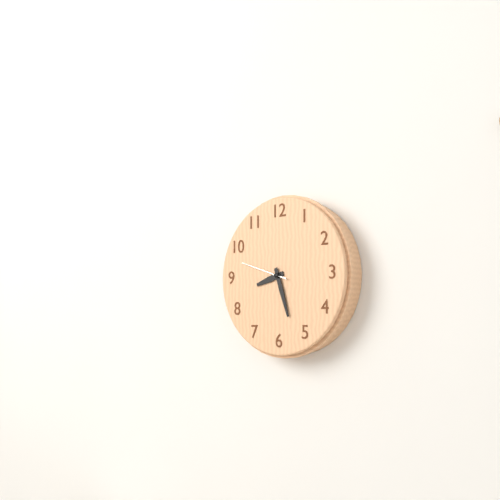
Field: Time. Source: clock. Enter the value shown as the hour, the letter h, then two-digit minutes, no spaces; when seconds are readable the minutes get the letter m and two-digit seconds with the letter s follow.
8h27
